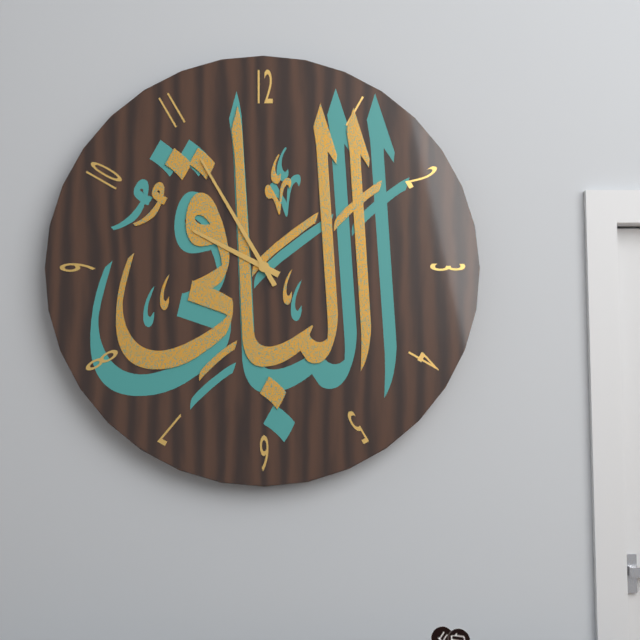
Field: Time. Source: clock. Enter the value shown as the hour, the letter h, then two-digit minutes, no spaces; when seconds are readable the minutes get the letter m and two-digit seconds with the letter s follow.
9h55
